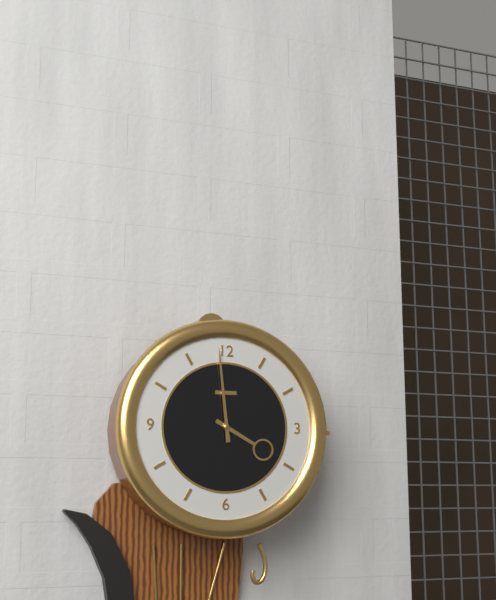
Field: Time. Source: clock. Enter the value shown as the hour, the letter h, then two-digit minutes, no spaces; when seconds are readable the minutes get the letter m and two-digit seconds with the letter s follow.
3h59
